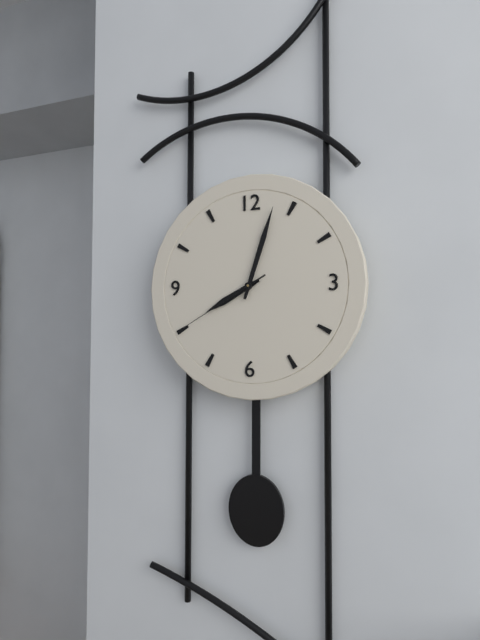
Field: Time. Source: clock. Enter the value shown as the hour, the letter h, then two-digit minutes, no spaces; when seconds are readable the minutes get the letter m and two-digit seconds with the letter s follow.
8h03m40s
